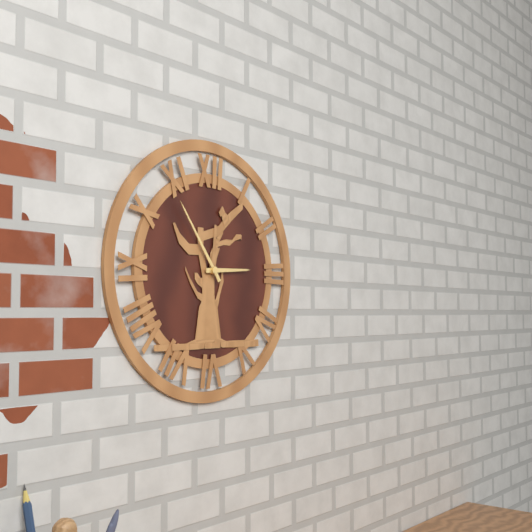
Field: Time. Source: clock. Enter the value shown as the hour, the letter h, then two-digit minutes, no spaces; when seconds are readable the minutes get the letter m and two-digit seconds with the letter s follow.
2h54
